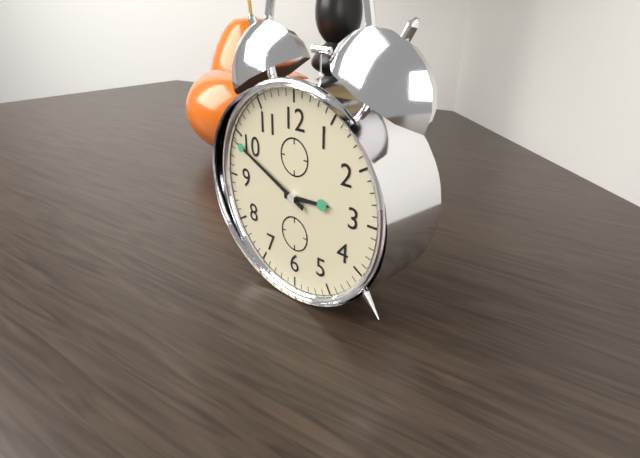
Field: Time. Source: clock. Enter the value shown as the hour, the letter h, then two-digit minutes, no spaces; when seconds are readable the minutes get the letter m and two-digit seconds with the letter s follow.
2h49
